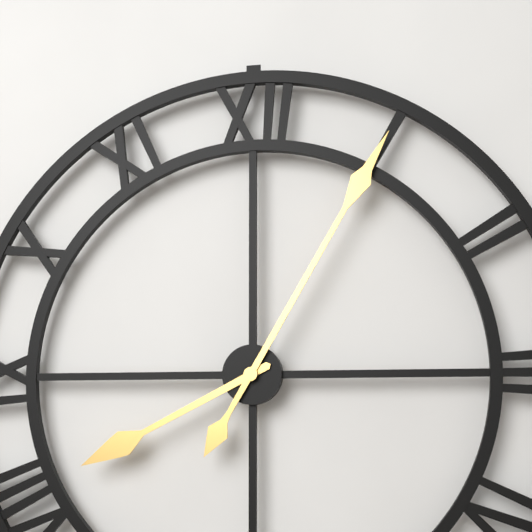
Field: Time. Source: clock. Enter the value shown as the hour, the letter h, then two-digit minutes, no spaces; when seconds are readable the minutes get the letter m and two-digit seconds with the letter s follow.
8h05
